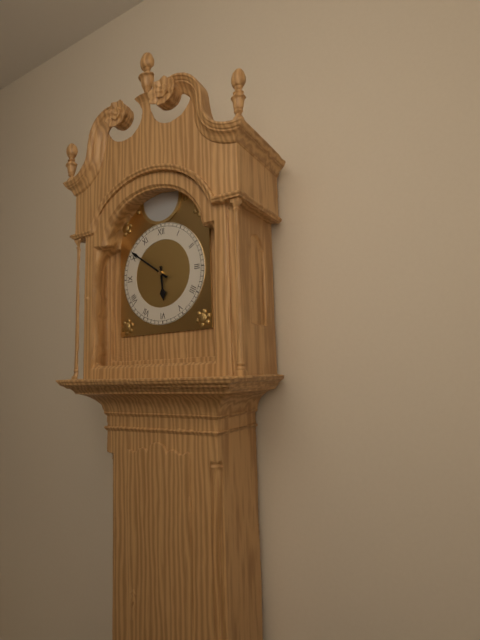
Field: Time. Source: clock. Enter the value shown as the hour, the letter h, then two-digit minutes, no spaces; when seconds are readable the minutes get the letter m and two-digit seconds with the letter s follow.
5h51
